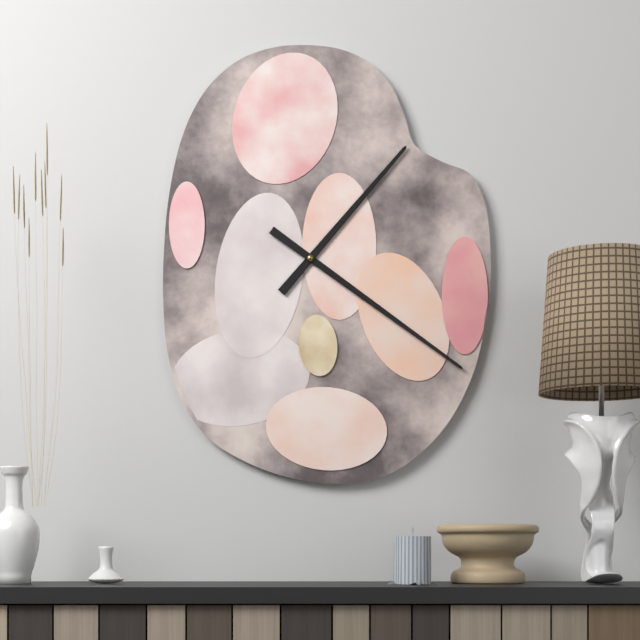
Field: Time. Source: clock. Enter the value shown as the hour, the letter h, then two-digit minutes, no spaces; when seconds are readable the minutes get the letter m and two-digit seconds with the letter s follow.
1h21
